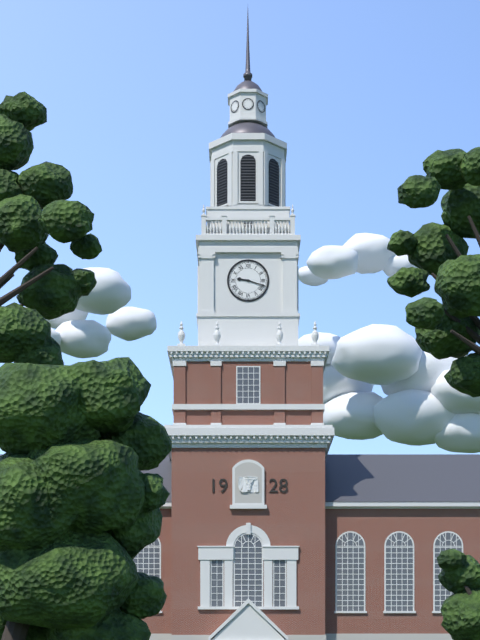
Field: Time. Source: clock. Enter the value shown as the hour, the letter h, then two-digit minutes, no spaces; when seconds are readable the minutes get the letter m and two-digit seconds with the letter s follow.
9h18
